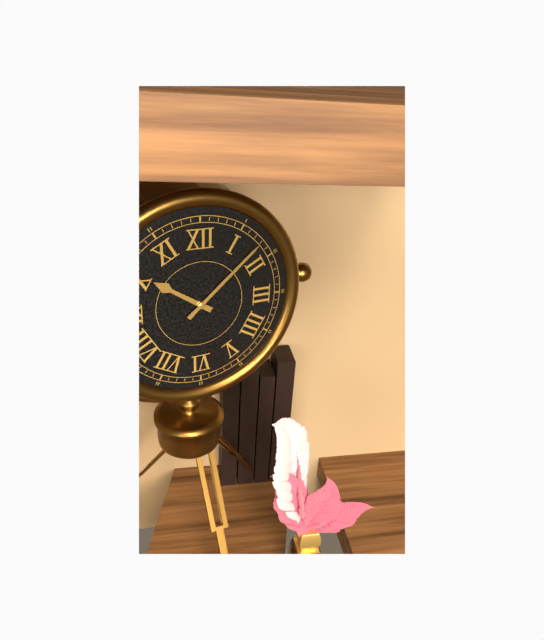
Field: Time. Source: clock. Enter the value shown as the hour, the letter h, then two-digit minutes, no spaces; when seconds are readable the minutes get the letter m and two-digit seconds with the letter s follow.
10h08
